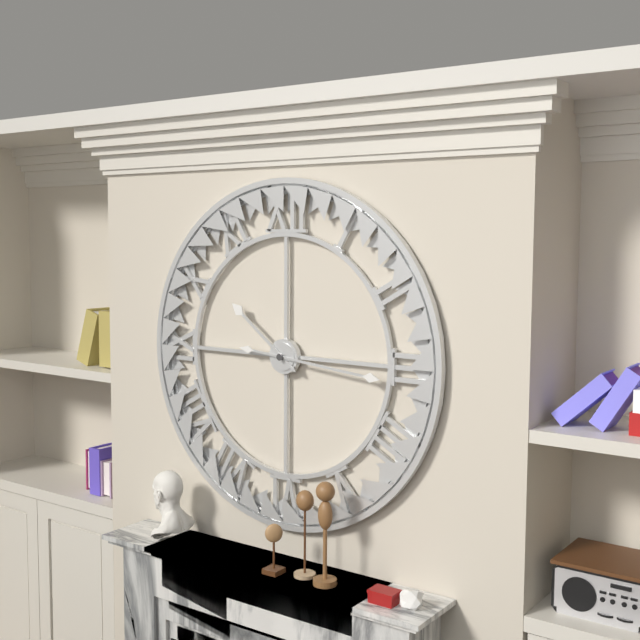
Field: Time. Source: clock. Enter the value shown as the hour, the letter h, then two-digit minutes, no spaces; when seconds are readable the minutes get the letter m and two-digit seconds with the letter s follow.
10h16
